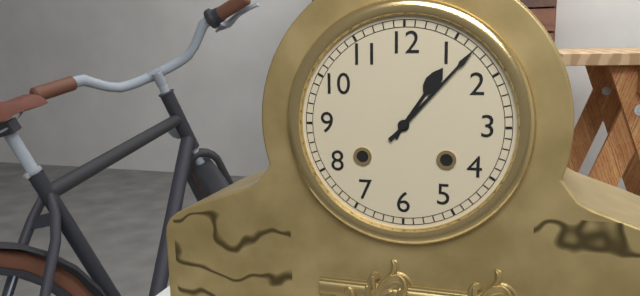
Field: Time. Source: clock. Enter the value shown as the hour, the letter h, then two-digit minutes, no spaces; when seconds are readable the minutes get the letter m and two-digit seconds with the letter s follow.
1h07
